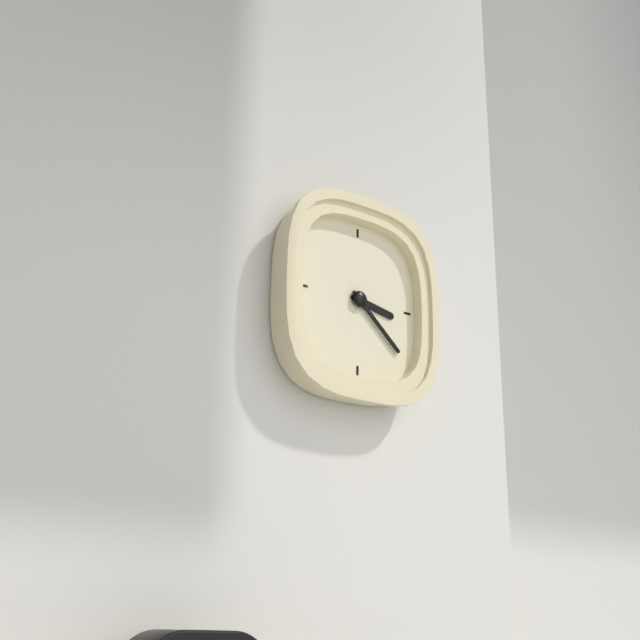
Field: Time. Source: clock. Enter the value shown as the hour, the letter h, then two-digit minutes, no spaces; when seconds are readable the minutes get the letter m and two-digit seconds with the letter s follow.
3h22
